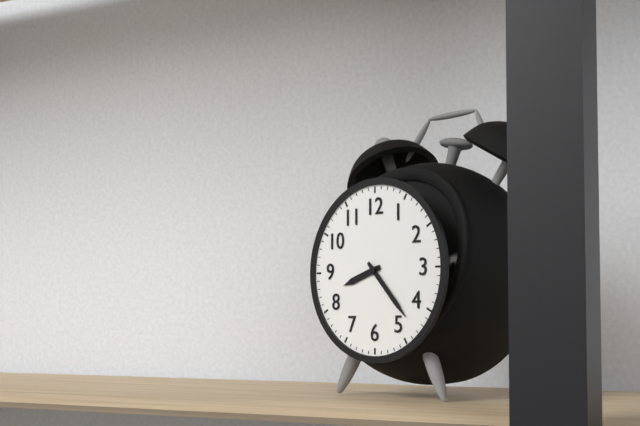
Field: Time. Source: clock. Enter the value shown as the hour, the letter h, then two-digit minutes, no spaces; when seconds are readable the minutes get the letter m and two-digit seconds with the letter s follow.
8h23
